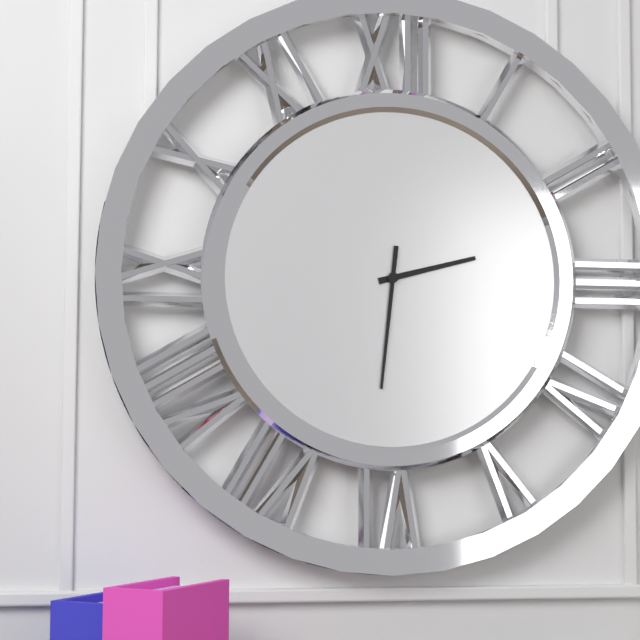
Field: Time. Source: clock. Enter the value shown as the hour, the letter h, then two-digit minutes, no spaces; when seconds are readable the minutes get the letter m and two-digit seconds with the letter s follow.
2h31
